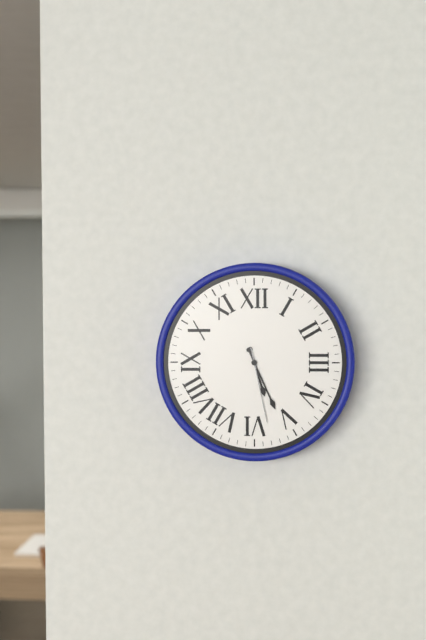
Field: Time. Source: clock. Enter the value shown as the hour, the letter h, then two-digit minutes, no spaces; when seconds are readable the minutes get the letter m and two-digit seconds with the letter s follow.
5h26m28s
